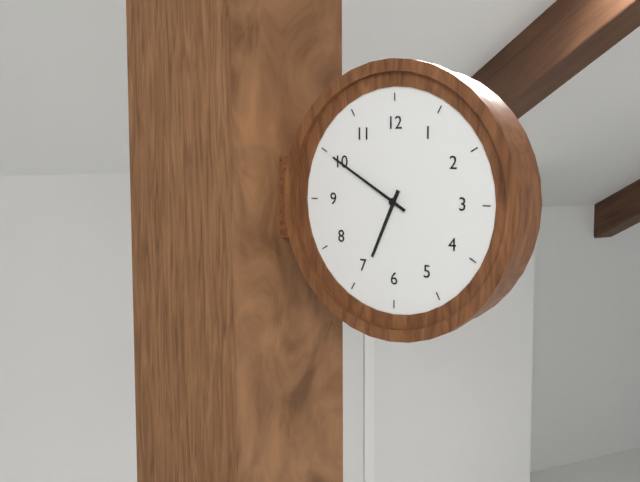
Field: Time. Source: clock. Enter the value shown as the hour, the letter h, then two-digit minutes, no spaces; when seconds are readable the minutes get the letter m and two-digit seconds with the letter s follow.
6h50
